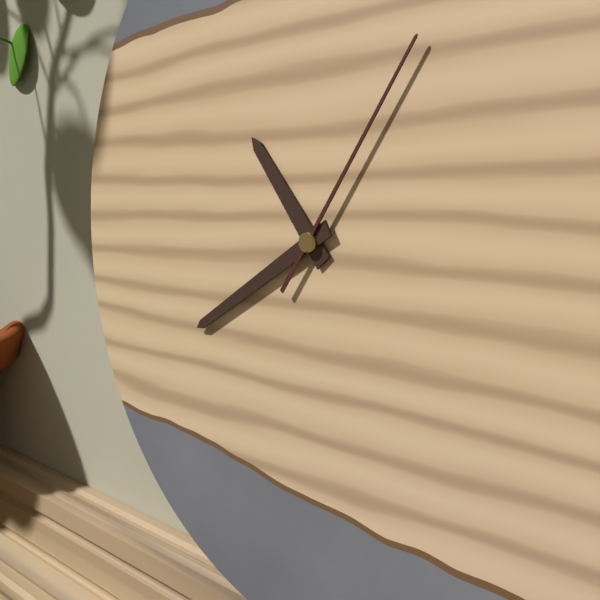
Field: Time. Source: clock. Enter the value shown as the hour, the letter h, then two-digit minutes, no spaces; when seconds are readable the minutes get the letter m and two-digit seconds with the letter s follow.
10h40m06s
